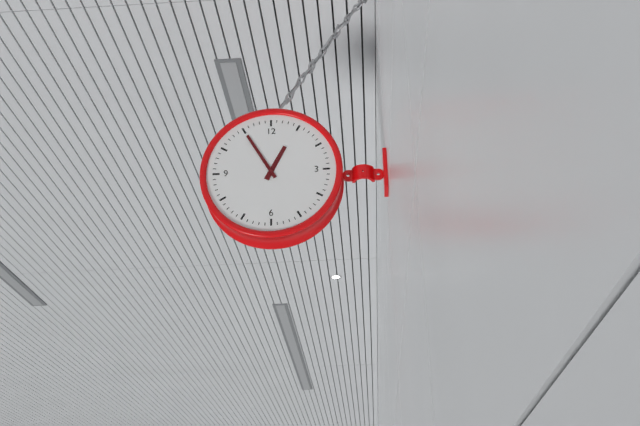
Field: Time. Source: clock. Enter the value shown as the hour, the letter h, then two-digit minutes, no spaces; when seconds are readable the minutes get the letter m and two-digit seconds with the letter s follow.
12h55
